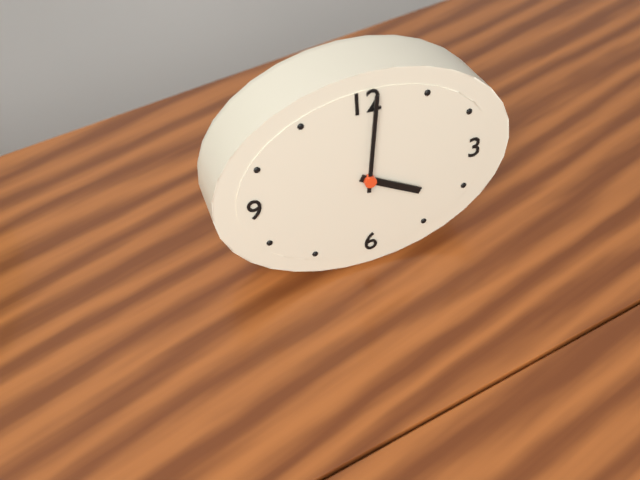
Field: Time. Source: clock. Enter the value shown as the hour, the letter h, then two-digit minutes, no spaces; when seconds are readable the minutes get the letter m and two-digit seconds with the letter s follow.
4h01
